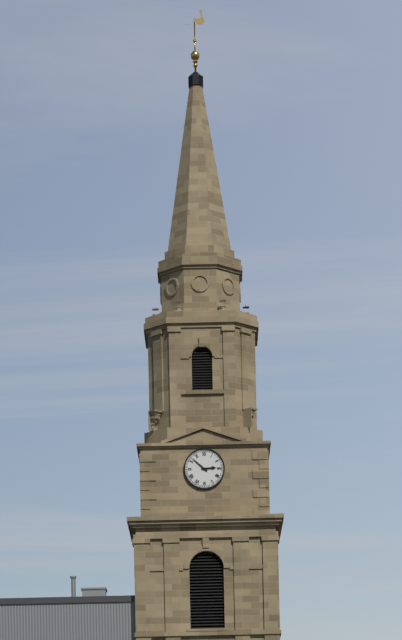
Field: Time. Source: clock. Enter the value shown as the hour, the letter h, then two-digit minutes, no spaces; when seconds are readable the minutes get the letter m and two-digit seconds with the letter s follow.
2h52
